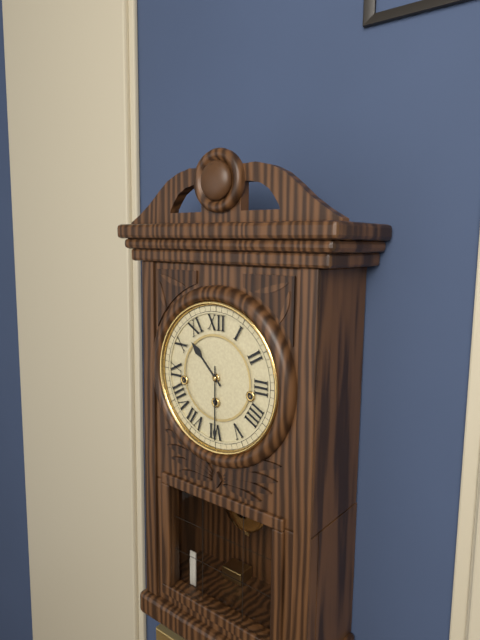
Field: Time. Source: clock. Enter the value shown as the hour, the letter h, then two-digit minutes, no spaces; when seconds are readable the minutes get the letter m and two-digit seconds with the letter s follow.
10h30
